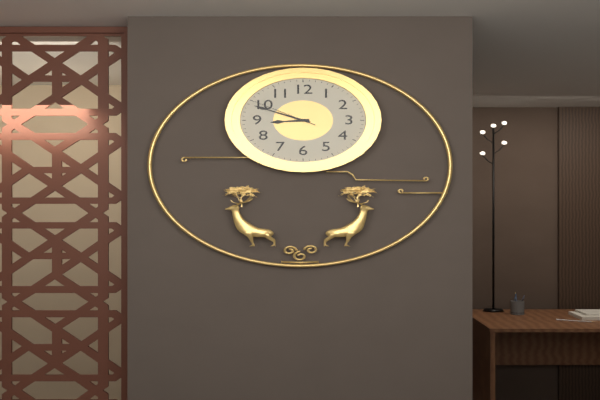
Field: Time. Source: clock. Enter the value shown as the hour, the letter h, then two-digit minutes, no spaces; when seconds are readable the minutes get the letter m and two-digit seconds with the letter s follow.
8h49m50s
